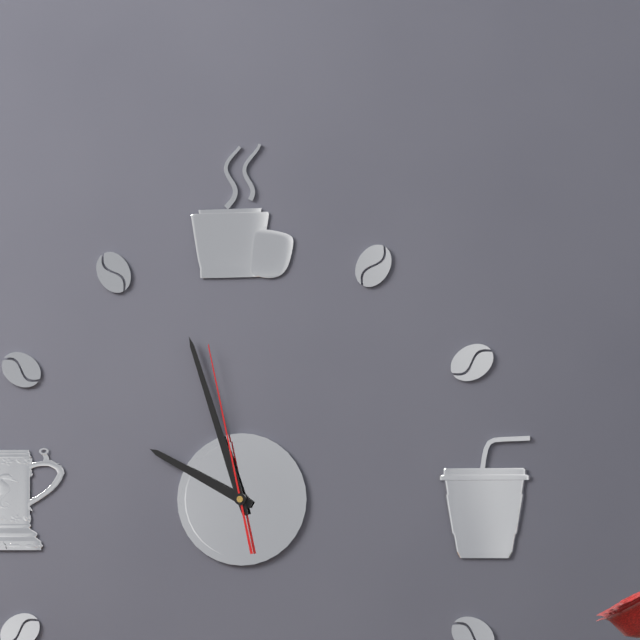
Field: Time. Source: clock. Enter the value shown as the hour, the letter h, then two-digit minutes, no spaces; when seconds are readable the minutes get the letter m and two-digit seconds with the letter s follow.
9h57m58s
